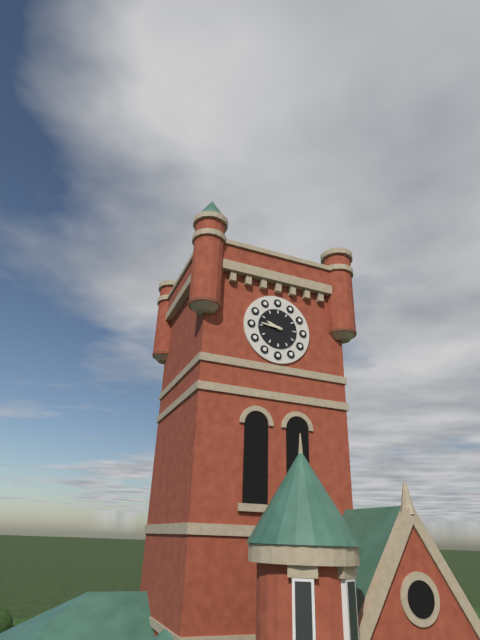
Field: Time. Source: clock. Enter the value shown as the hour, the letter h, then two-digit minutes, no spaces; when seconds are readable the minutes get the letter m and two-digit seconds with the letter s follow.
9h46
